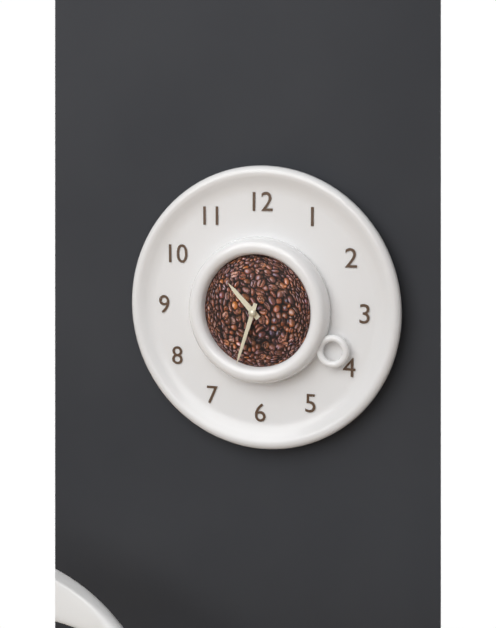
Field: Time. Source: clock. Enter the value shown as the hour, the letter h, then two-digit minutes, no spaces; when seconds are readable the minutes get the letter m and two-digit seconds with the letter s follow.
10h33
